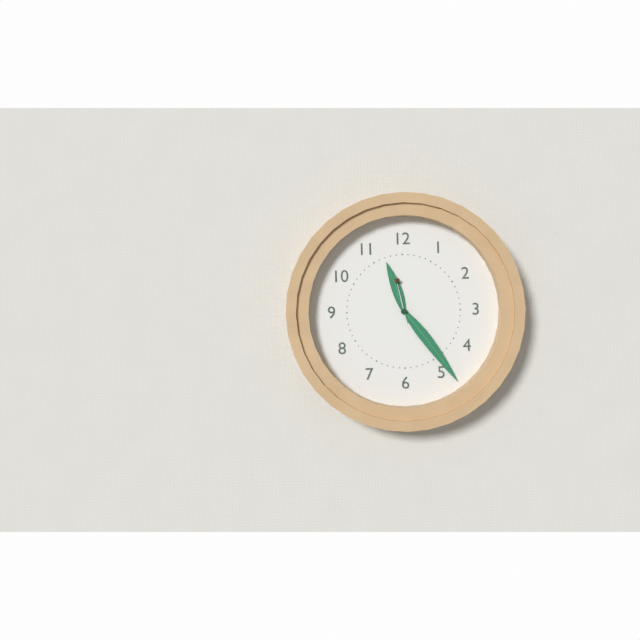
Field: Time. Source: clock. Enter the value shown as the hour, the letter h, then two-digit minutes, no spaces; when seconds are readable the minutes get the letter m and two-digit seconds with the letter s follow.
11h24
